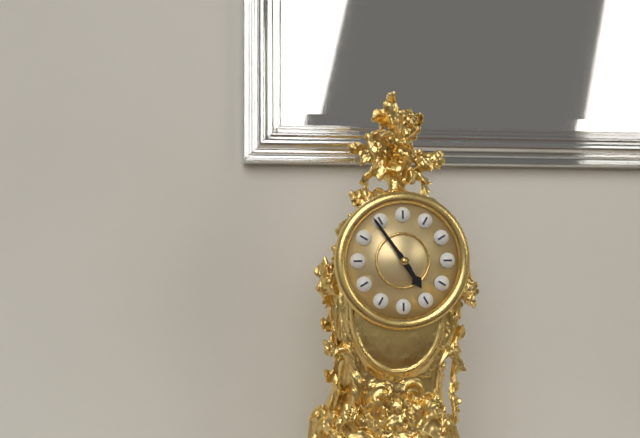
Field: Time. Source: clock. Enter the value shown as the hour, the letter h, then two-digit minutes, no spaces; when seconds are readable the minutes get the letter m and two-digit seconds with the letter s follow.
4h54
